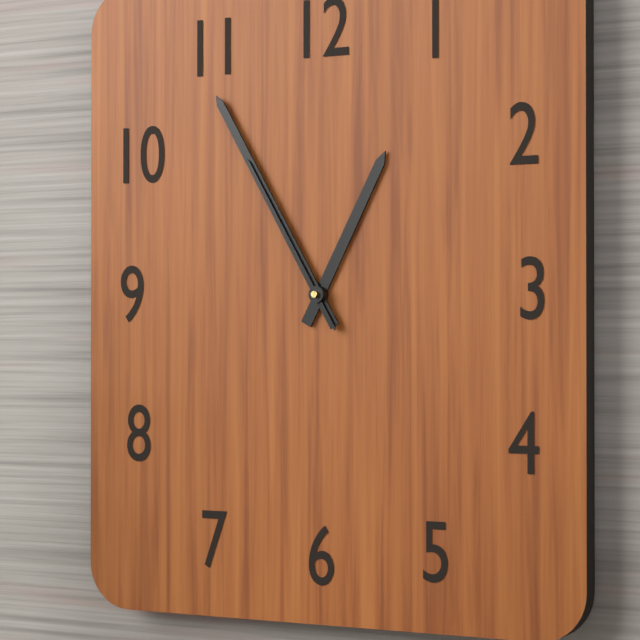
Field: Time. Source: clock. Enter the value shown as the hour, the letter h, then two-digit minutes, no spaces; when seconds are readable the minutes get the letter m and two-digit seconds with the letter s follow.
12h55m55s
